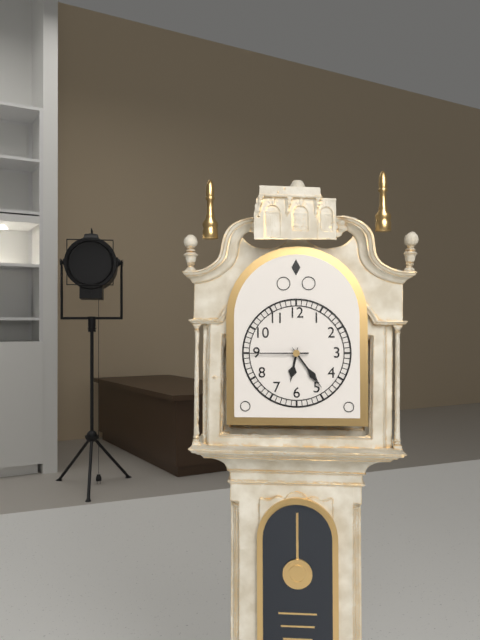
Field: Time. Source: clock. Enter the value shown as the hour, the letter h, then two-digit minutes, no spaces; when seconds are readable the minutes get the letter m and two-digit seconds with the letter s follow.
6h24m45s
